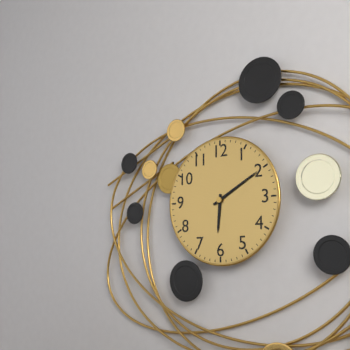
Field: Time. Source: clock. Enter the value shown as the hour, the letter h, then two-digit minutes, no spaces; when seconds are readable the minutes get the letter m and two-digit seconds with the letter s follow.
6h10
